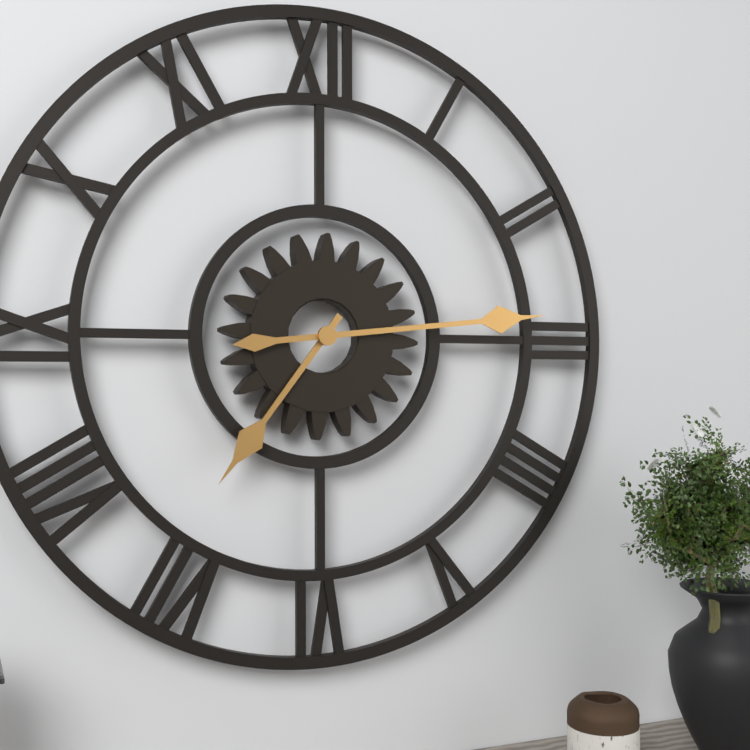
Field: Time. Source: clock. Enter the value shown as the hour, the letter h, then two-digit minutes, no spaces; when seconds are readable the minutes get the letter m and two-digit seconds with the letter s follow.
7h14
